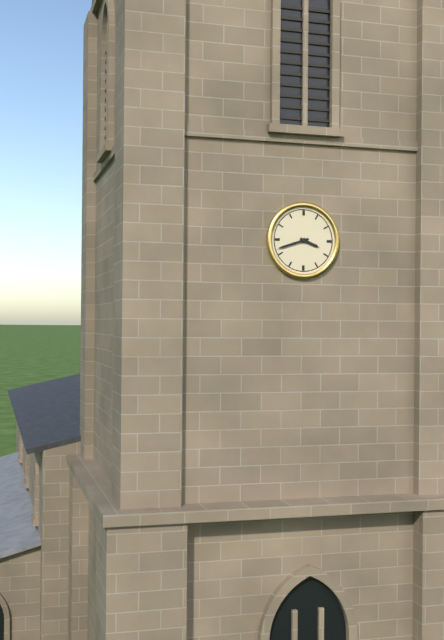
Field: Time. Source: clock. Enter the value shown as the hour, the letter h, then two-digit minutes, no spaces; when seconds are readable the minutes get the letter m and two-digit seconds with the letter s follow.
3h42
